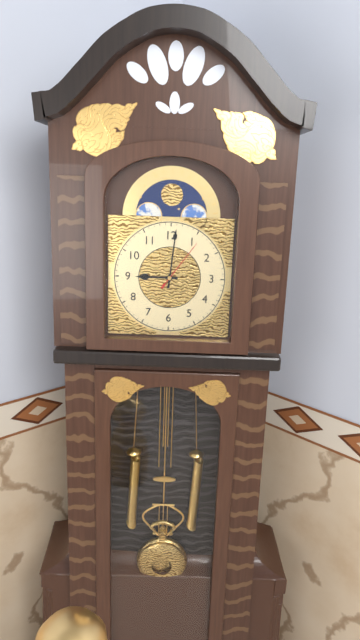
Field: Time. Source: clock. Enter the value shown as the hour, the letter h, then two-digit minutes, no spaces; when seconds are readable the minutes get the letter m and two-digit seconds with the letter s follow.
9h01m06s
